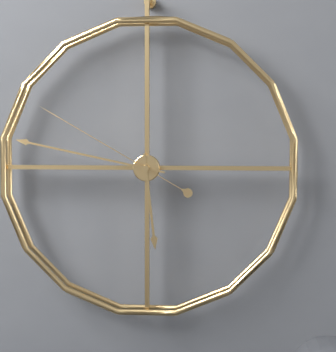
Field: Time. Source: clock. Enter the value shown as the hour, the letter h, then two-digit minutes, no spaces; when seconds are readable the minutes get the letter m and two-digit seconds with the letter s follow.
5h47m50s
